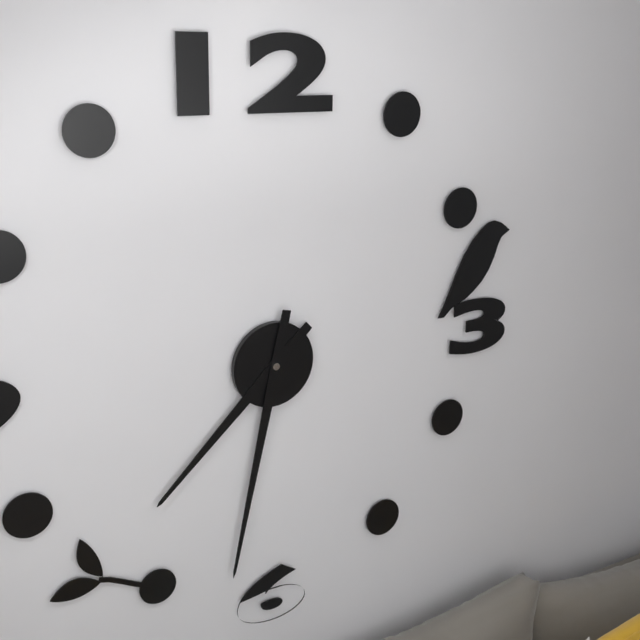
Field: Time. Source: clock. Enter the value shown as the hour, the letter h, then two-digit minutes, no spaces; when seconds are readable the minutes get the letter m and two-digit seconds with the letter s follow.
7h32
